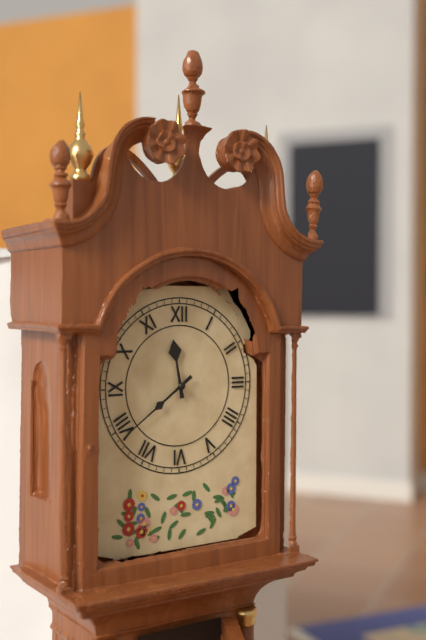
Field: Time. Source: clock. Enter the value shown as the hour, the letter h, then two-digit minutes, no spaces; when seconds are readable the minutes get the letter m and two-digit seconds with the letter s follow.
11h39
